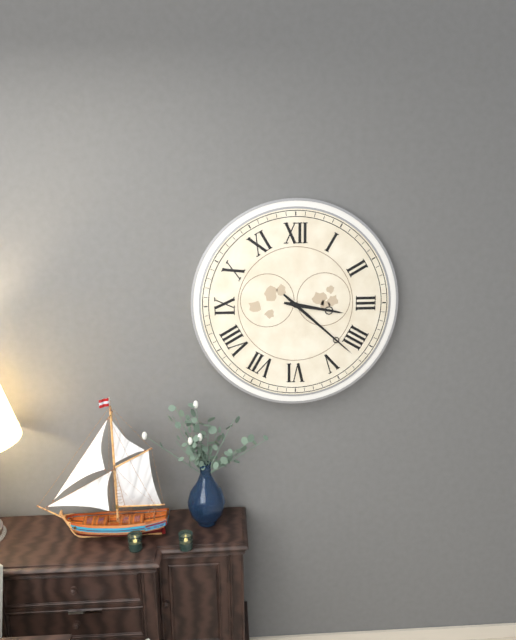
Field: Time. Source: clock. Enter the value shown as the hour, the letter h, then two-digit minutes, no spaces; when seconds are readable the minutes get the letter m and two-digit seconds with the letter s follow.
3h22
